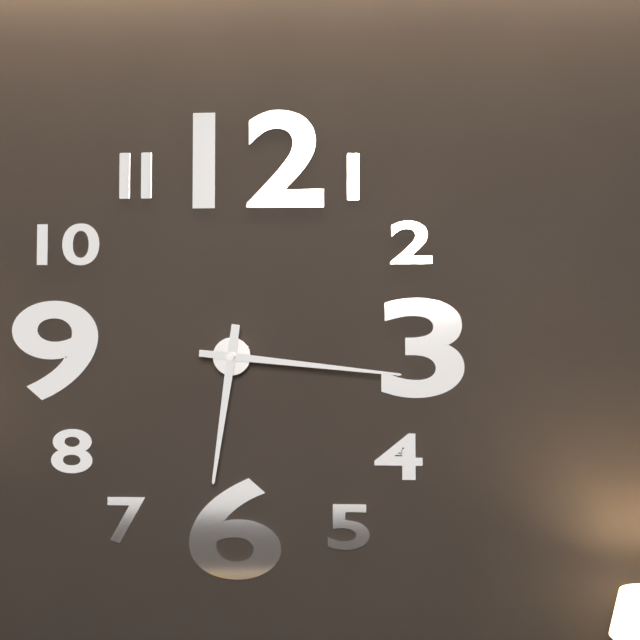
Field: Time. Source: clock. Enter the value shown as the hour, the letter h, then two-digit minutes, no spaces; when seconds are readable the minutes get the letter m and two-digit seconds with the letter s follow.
6h16
